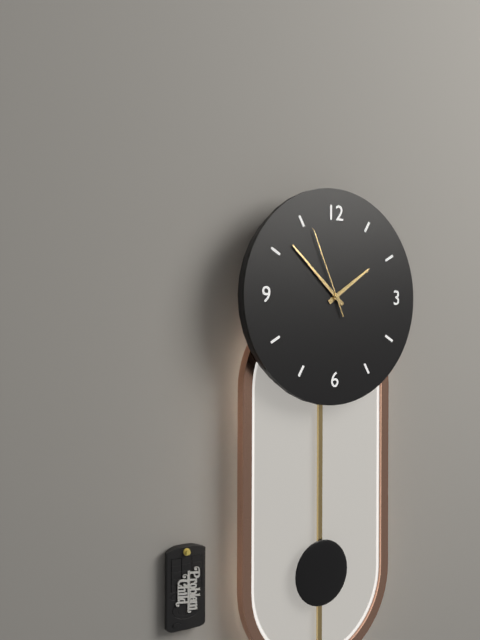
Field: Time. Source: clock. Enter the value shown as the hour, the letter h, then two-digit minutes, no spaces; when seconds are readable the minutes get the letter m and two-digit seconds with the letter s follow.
1h52m56s
